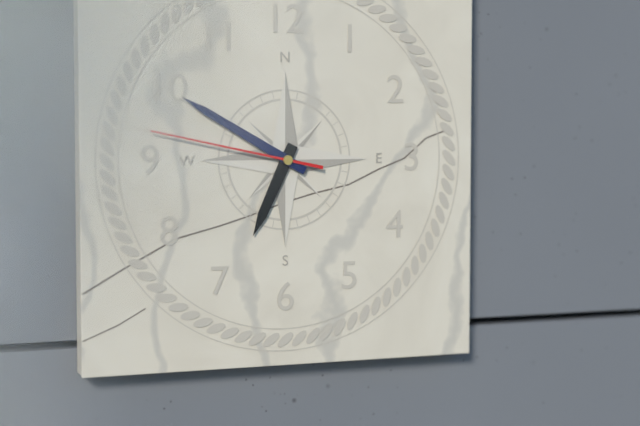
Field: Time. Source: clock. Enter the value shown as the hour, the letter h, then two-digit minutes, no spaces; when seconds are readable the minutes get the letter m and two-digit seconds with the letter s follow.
6h50m47s
